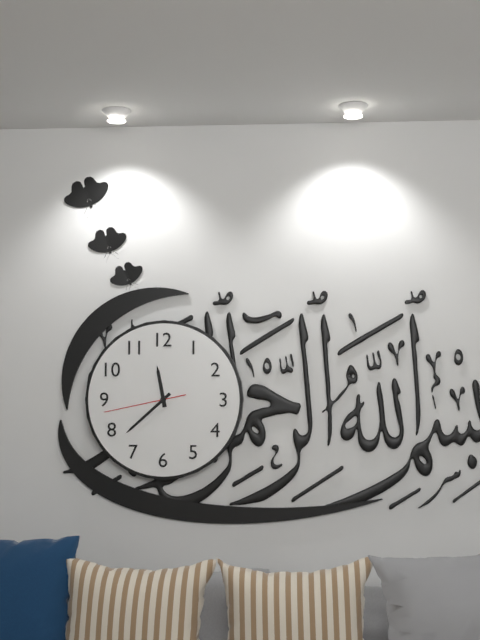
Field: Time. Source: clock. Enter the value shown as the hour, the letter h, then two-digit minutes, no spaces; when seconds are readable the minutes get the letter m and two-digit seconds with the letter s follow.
11h38m43s
